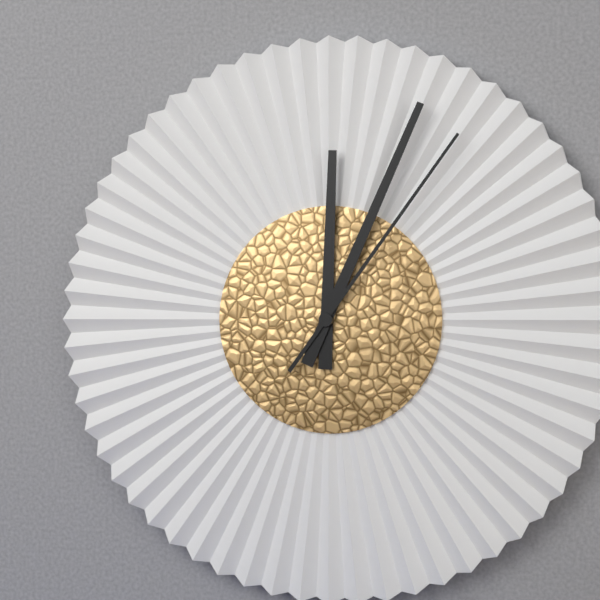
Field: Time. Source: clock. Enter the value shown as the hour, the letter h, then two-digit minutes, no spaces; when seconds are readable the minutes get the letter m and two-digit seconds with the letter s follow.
12h04m06s
